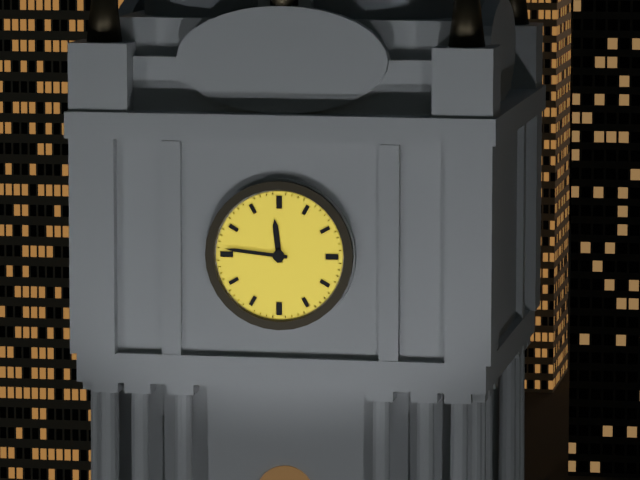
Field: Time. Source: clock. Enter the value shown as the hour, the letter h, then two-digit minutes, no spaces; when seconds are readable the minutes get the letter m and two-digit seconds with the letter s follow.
11h46
